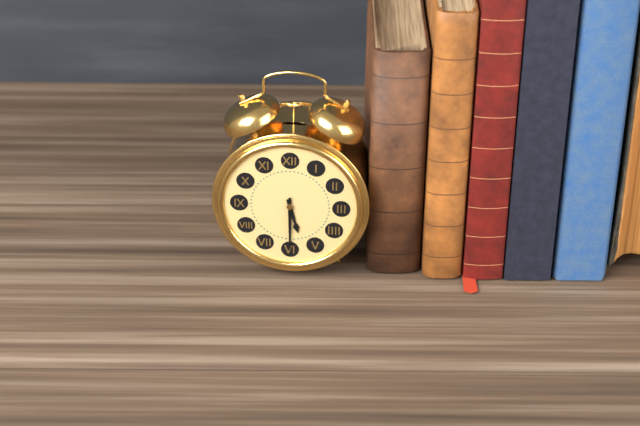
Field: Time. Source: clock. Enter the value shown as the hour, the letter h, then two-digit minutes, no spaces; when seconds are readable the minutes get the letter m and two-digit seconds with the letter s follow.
5h30
